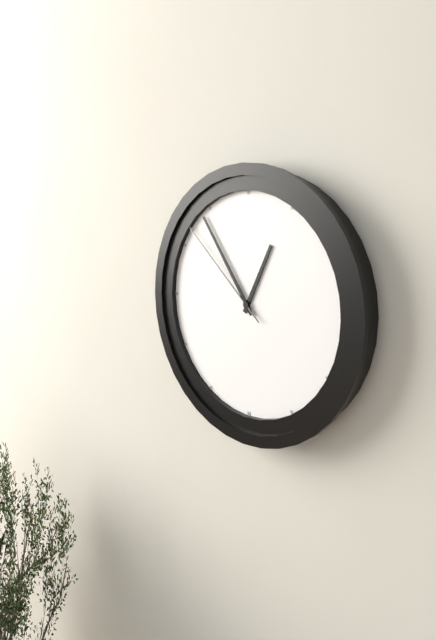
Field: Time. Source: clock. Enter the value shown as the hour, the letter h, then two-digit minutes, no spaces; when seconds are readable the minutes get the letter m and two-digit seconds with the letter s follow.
12h54m52s
